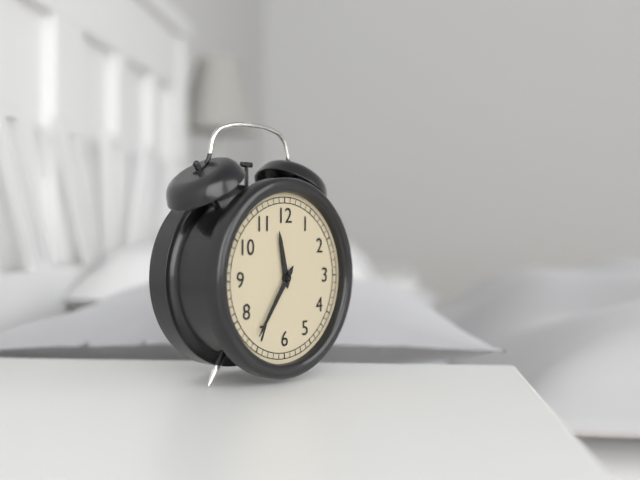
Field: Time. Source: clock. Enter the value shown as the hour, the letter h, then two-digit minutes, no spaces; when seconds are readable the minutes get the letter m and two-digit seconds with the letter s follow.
11h36
